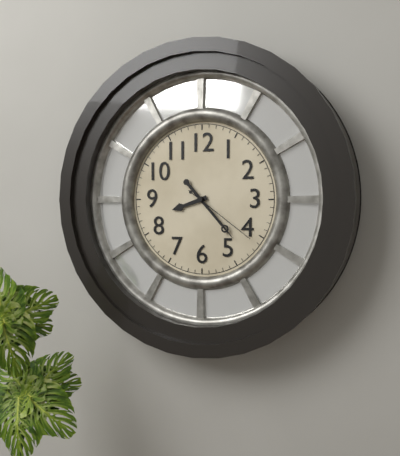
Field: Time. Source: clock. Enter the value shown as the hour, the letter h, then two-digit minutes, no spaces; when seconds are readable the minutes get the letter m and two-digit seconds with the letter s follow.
8h23m21s
